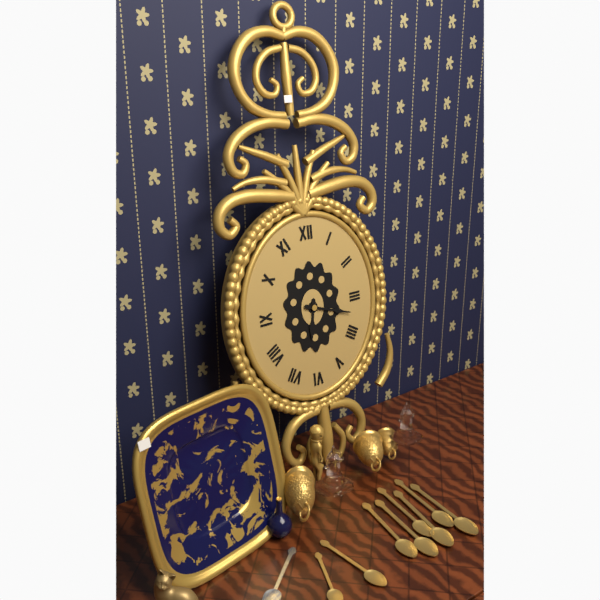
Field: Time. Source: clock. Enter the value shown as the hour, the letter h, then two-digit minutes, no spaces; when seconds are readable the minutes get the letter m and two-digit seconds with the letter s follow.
6h18
